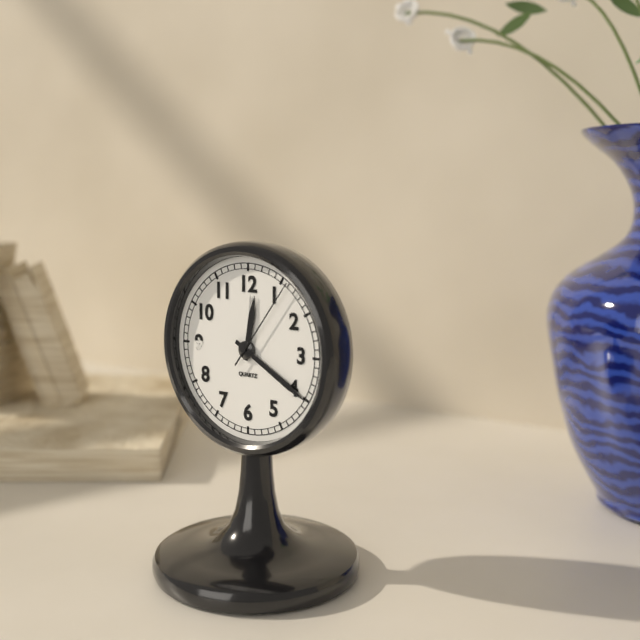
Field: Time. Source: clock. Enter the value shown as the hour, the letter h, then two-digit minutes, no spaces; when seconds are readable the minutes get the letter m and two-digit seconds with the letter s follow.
12h20m06s
